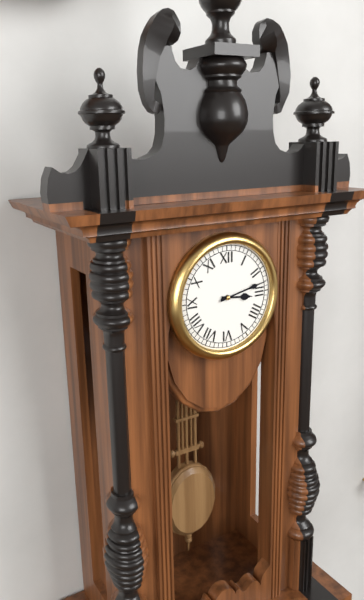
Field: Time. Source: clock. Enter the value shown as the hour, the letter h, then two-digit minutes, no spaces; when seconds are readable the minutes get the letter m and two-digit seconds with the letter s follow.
3h13
